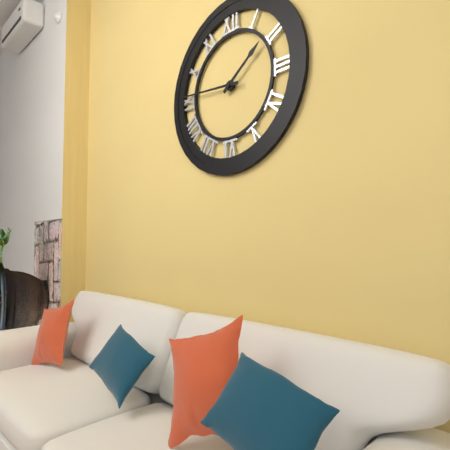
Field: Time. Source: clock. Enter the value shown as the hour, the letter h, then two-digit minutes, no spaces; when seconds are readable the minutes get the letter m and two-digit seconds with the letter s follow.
1h46
